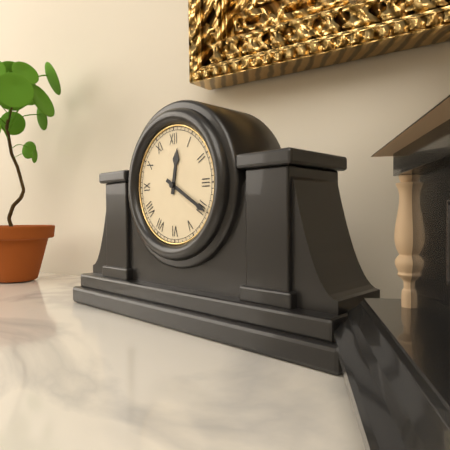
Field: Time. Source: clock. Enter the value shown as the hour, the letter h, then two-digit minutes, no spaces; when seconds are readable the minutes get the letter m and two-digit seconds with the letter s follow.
12h20
